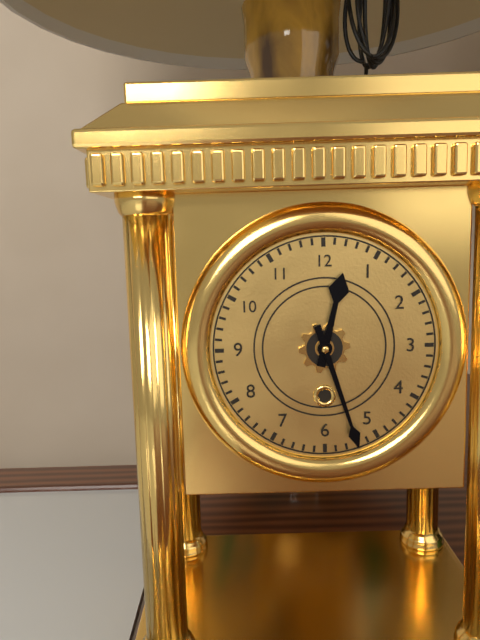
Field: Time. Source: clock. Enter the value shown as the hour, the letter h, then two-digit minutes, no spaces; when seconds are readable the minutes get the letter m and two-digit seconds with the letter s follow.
12h27
